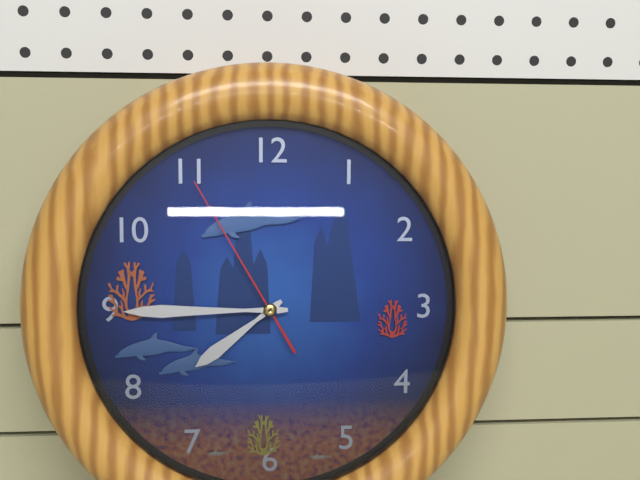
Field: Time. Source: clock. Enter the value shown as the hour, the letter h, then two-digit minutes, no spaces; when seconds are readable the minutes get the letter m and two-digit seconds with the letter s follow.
7h45m55s
